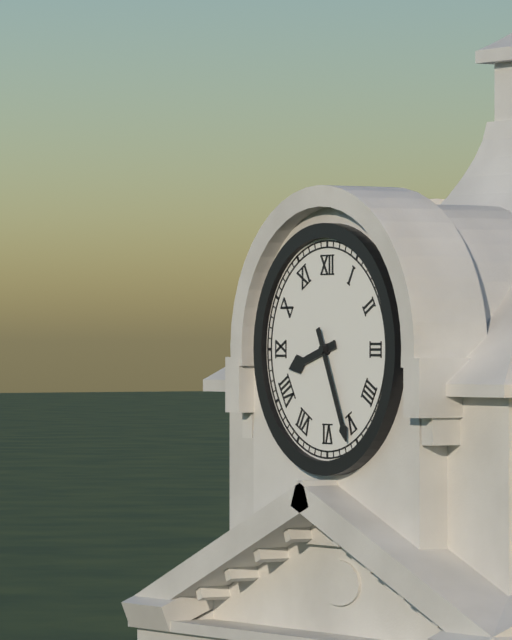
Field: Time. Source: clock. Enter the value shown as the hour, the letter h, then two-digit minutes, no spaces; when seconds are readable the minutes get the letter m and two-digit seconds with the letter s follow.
8h26
